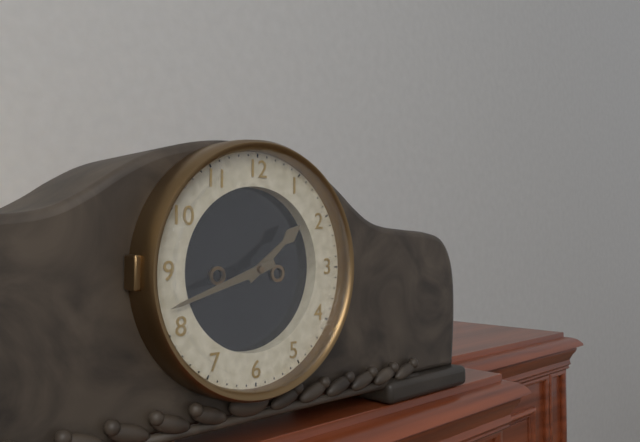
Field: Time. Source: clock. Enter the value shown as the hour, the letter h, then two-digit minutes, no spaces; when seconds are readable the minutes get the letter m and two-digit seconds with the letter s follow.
1h42
